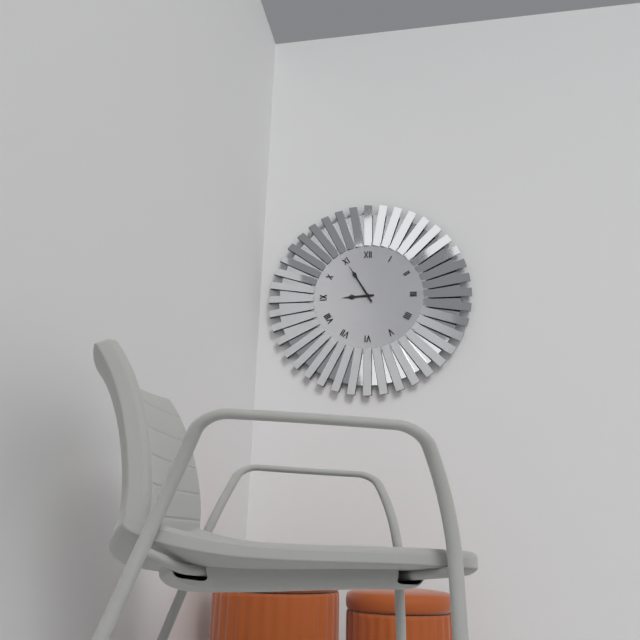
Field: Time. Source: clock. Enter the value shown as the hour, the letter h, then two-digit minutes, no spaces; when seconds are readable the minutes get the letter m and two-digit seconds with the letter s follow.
8h55
